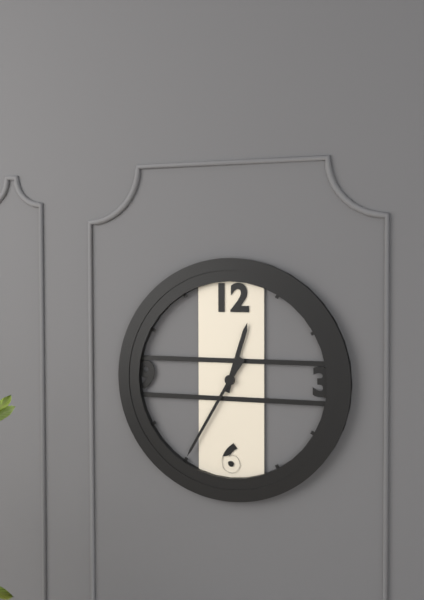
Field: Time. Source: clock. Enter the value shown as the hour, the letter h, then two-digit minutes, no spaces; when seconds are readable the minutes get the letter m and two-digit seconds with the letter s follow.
12h35
